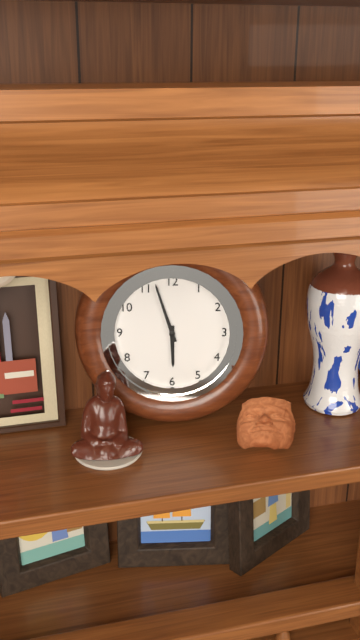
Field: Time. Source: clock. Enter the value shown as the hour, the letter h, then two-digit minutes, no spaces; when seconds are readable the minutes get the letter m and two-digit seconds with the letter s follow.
5h57
